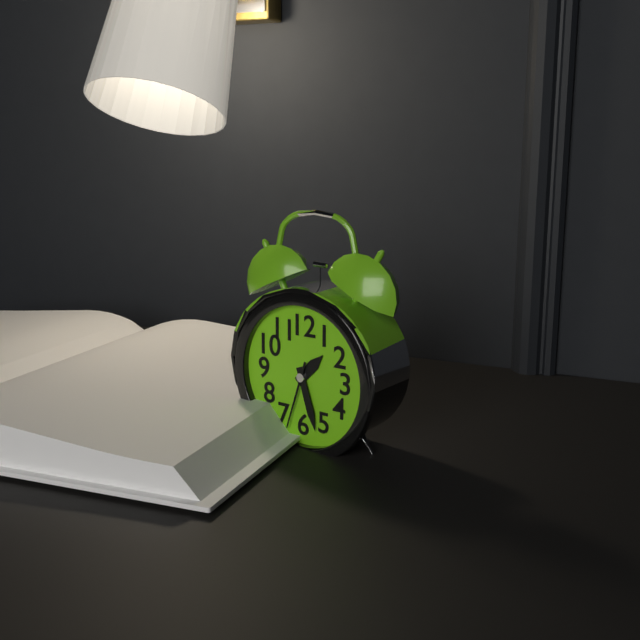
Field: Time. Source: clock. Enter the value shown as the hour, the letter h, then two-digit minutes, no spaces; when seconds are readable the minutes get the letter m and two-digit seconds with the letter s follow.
1h27m33s
